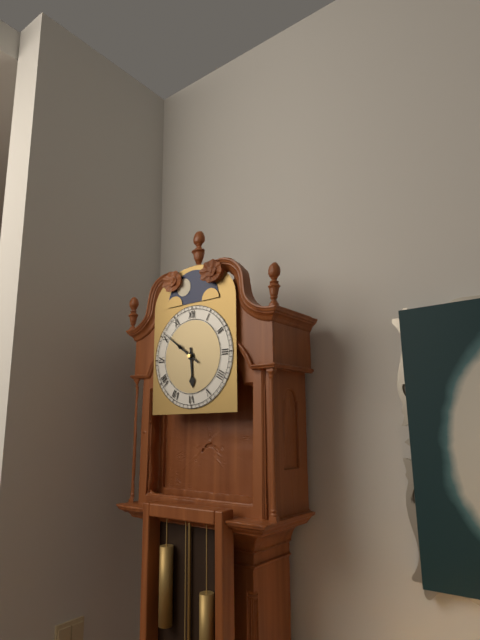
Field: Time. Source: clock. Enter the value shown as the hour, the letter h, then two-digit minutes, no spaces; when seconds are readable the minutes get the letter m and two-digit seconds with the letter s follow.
5h51
